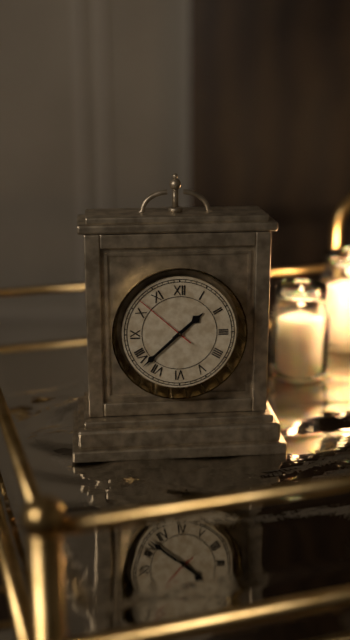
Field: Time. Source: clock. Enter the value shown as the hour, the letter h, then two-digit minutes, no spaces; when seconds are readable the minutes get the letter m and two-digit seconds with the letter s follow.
1h38m52s
